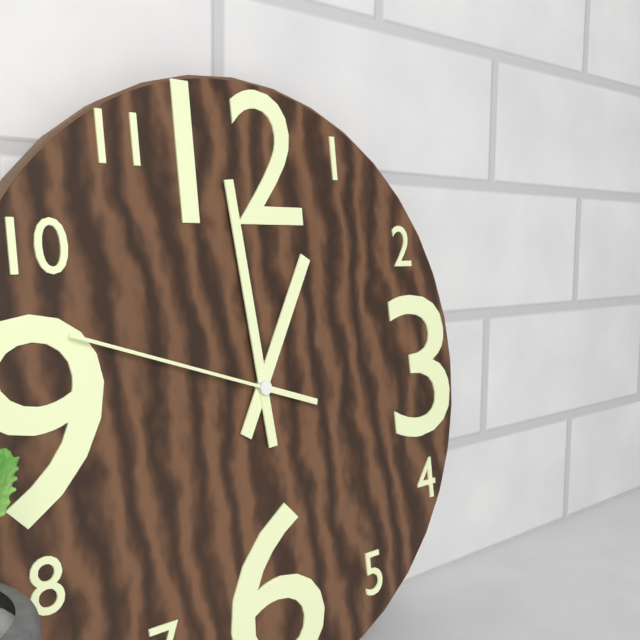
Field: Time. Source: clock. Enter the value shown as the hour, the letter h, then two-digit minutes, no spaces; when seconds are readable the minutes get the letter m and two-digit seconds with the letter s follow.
12h59m48s
